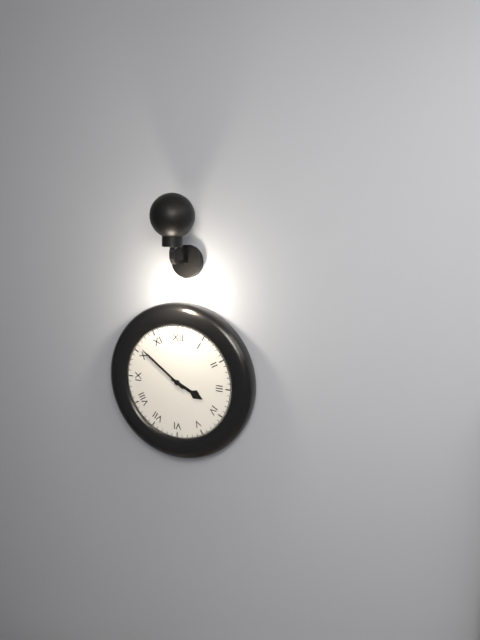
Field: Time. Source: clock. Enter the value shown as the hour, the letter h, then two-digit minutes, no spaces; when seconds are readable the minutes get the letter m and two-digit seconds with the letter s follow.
3h51
